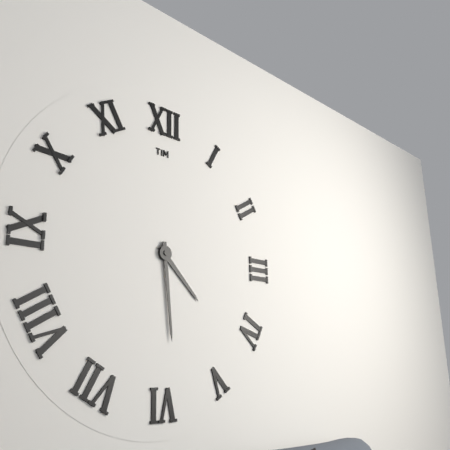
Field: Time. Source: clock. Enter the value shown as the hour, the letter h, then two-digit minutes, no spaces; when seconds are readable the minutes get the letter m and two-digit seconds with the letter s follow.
4h29
